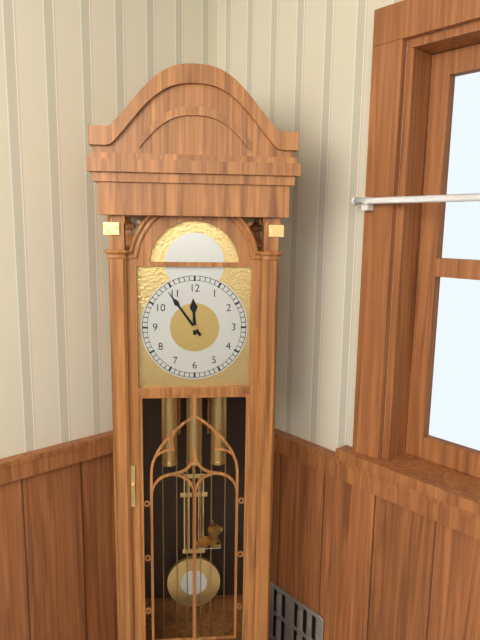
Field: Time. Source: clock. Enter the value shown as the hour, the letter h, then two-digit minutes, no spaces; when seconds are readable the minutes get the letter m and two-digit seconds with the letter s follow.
11h54
